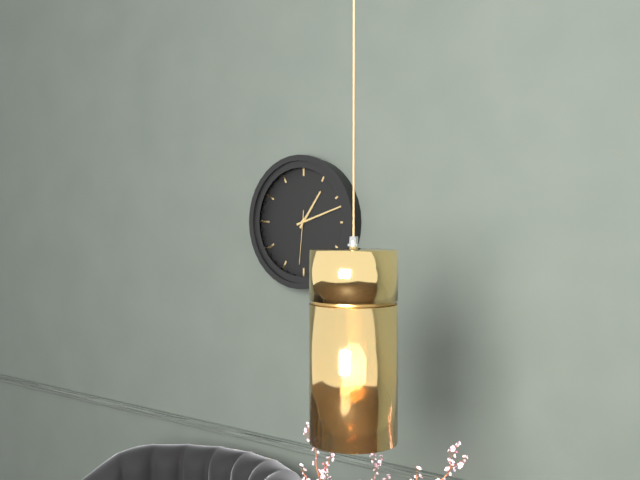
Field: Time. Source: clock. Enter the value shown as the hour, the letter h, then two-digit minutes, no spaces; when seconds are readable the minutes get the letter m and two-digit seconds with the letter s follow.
1h12m31s
